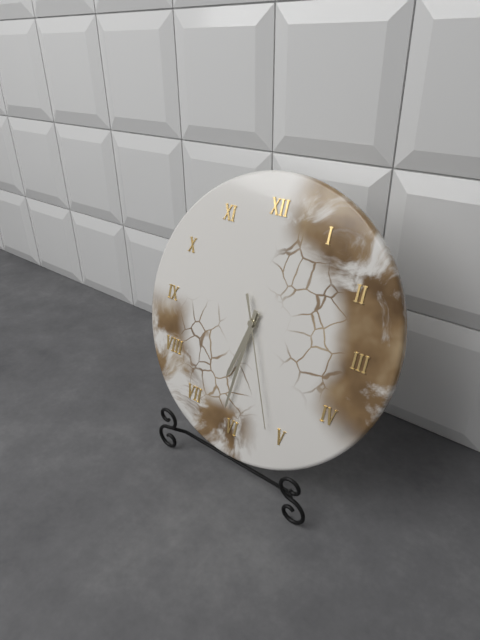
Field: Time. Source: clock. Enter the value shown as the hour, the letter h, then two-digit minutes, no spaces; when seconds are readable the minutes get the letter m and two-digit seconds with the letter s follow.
6h31m26s
